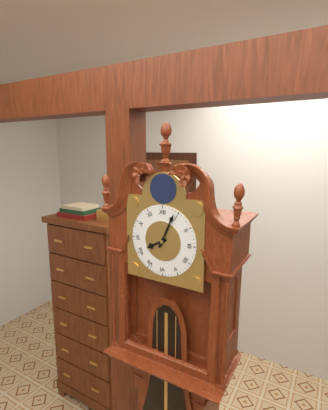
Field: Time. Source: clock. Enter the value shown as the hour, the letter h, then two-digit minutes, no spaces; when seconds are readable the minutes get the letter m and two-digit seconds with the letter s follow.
8h04
